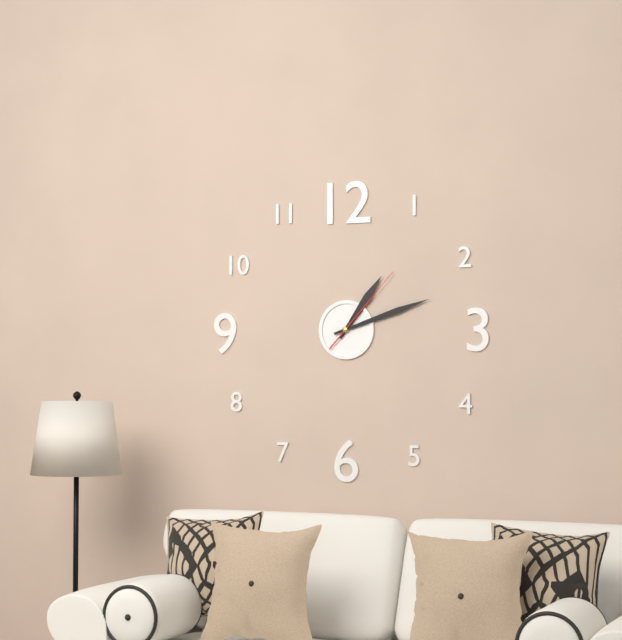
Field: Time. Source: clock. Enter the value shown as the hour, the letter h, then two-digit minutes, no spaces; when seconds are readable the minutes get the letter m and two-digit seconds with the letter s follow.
1h12m07s
